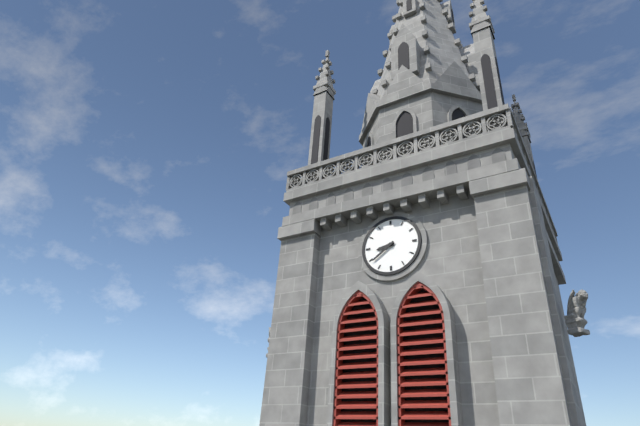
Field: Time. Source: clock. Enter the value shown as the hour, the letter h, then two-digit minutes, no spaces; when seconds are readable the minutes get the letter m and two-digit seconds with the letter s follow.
8h39
